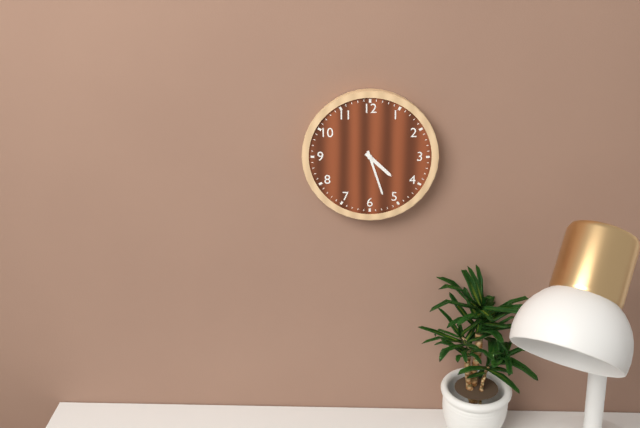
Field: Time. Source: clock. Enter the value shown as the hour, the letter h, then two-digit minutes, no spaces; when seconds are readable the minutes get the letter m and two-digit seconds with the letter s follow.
4h27
